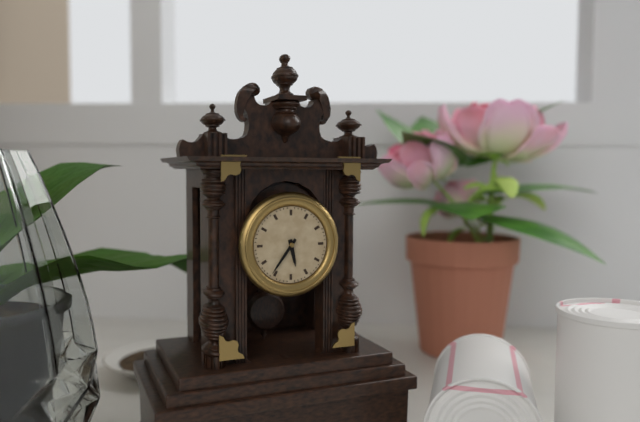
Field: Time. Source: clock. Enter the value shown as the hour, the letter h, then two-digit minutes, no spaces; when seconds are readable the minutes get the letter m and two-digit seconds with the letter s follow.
5h36
